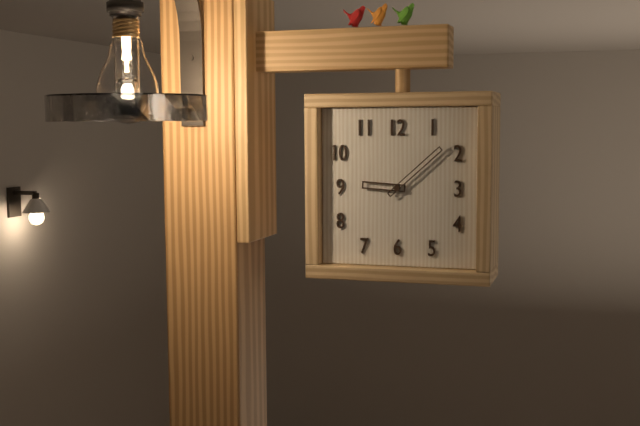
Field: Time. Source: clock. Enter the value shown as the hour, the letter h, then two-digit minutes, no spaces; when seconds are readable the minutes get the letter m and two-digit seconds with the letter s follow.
9h08
